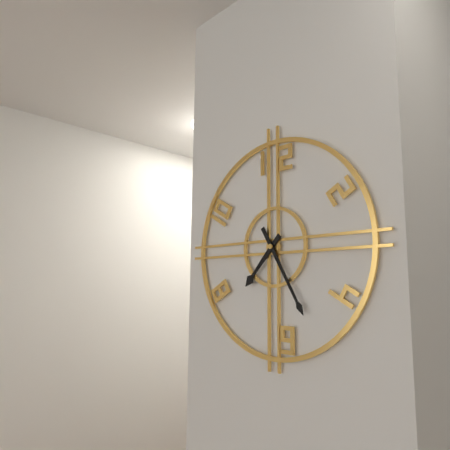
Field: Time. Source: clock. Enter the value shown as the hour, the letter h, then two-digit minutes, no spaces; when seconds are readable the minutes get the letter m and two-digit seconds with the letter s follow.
7h25
